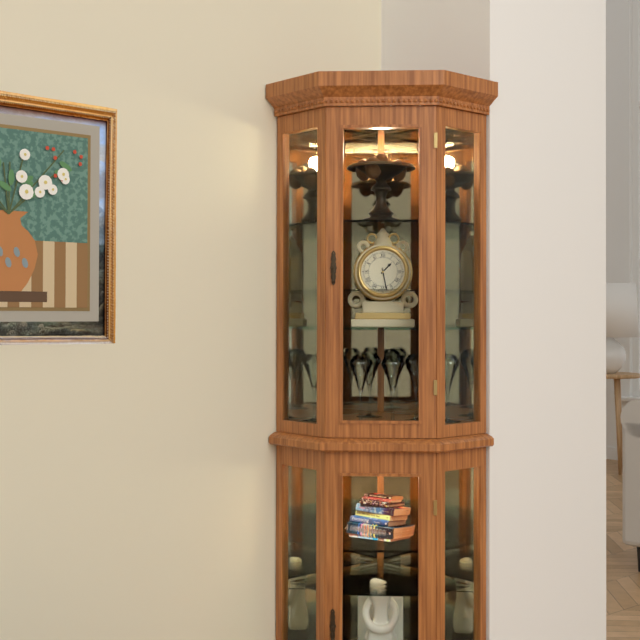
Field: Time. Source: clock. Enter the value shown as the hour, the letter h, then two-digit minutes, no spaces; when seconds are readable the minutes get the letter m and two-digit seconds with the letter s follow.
1h28
